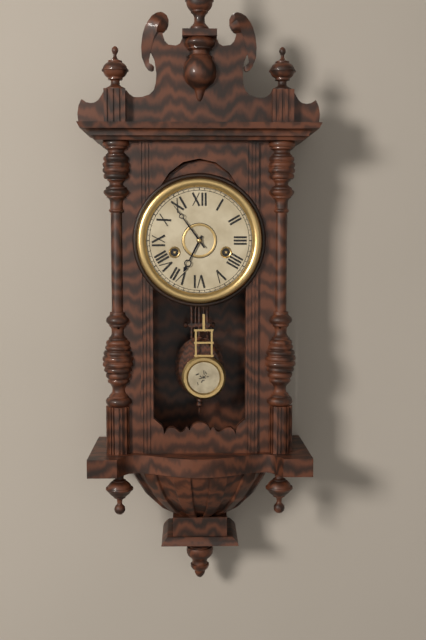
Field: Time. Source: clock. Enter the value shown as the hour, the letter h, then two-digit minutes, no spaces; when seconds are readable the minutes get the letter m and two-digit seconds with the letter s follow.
6h54
